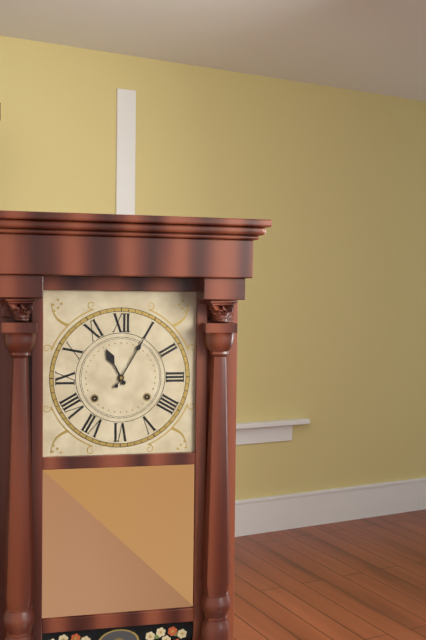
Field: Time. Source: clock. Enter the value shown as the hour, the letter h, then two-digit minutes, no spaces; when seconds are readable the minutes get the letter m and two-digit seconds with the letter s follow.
11h05
